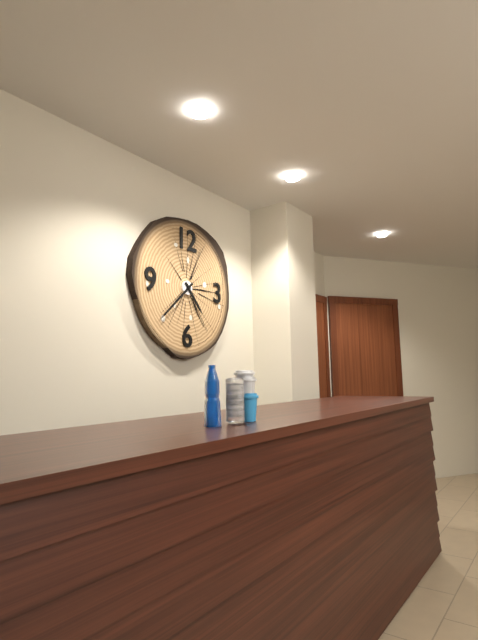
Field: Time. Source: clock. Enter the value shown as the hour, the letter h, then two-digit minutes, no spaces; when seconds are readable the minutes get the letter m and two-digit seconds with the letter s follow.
4h38
